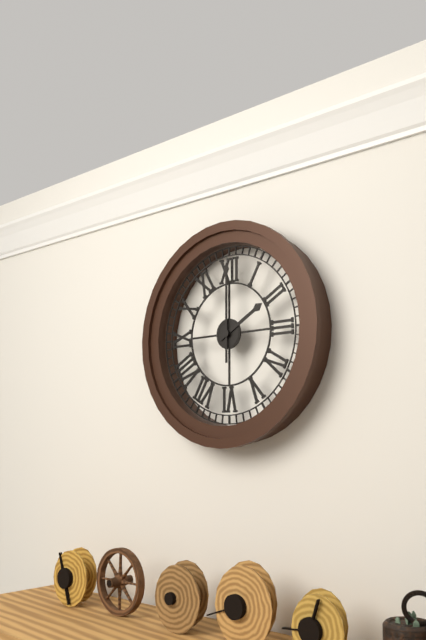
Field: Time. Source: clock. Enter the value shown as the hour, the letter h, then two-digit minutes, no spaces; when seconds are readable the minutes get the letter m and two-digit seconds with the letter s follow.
2h00
